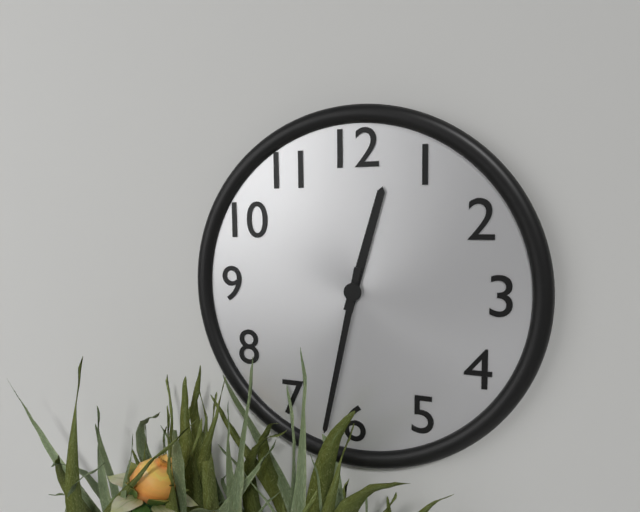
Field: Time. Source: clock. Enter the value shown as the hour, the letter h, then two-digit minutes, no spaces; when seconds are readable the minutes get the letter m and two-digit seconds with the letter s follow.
12h32
